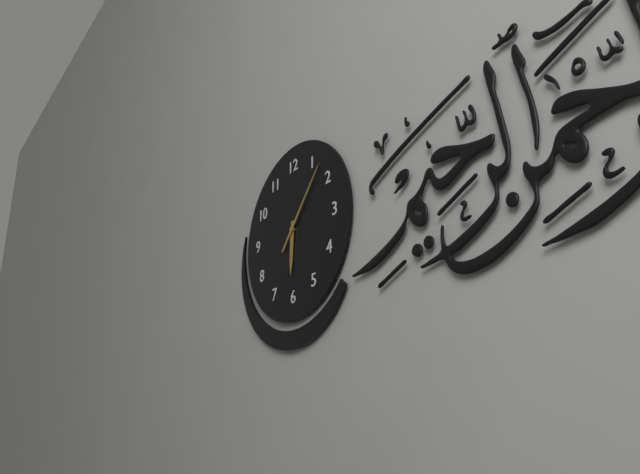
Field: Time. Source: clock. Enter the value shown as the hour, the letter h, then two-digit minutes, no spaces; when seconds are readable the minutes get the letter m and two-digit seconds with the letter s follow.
6h07
